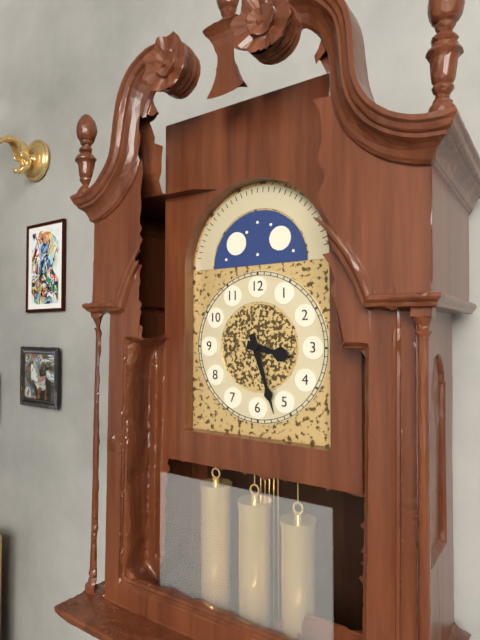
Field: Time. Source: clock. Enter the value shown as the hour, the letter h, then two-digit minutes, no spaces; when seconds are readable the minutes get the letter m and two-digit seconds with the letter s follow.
3h27
